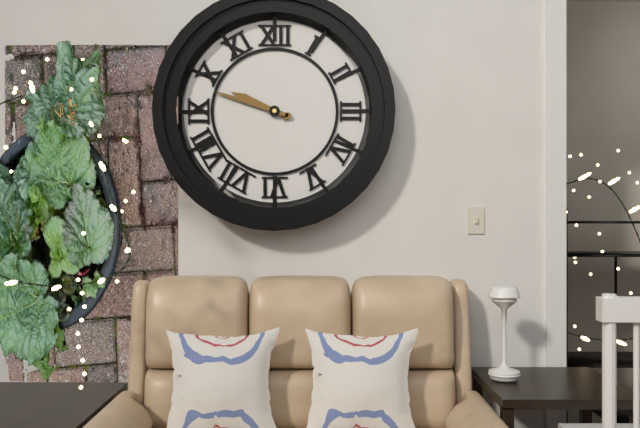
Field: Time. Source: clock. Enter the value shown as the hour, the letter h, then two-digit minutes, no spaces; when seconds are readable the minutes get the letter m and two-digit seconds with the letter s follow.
9h48
